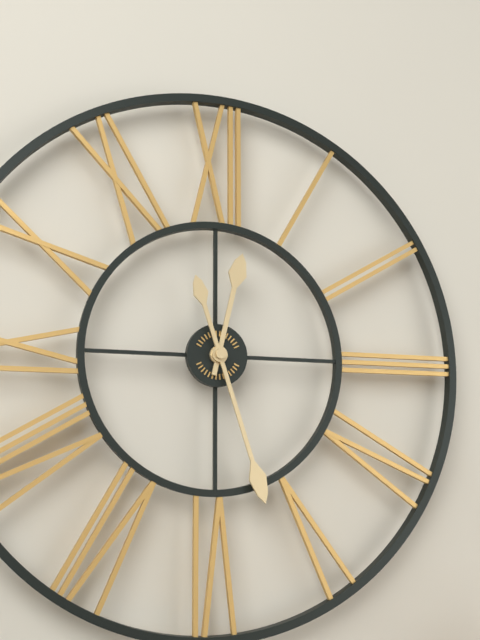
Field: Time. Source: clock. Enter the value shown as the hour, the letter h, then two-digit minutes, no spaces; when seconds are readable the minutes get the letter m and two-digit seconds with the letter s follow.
12h27
